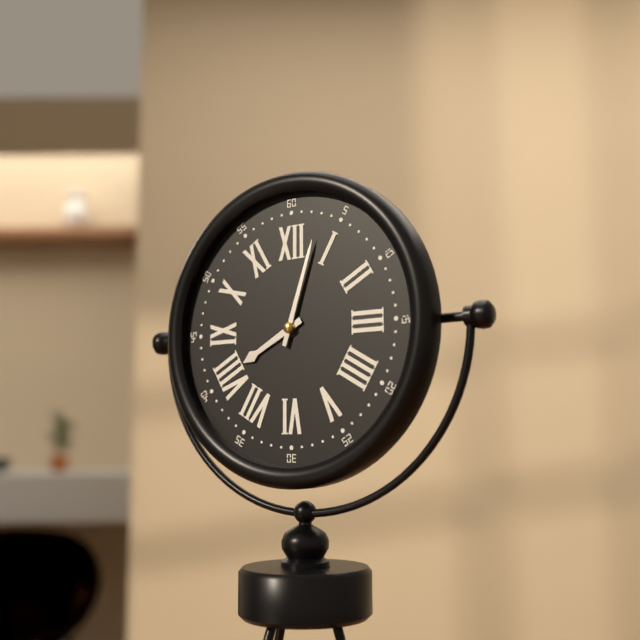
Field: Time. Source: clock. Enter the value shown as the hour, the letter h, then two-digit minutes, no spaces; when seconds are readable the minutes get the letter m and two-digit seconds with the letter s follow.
8h03
